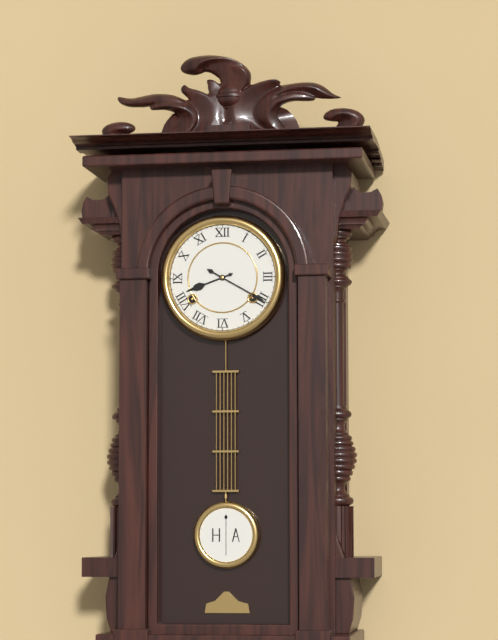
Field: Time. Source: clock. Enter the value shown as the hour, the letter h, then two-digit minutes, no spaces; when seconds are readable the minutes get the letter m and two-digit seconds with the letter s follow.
8h20
